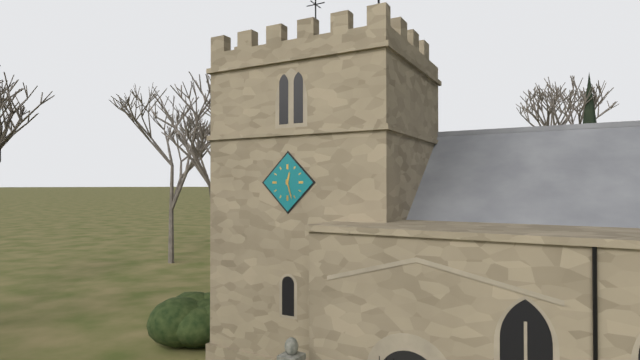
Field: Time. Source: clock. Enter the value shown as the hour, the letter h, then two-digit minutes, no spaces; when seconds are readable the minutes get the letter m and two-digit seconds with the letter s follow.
12h27
